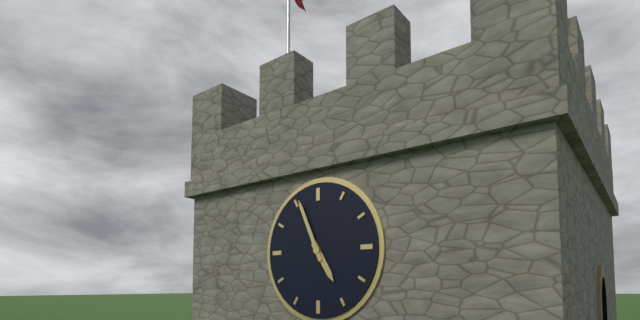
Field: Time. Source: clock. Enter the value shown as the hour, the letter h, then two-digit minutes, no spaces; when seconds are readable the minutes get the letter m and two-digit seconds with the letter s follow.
4h56
